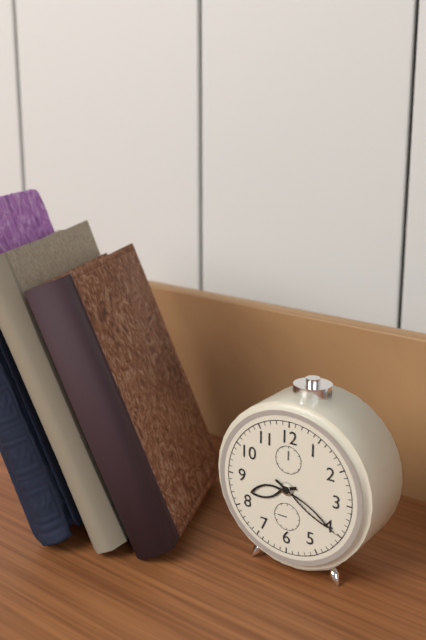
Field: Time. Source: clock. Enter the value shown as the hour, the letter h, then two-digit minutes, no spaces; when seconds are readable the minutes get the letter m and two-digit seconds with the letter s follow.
8h20
